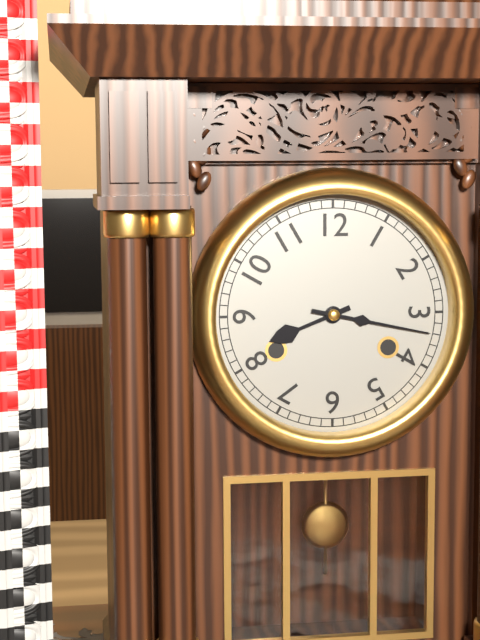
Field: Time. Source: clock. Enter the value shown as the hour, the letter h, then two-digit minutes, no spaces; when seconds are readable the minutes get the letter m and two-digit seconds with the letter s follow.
8h17
